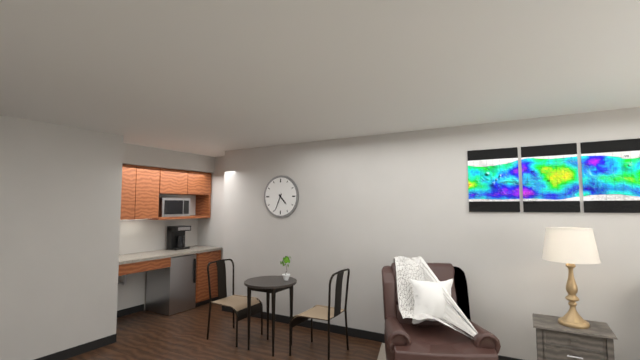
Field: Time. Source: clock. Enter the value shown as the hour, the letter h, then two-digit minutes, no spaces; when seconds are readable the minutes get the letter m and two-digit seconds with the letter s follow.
4h34
